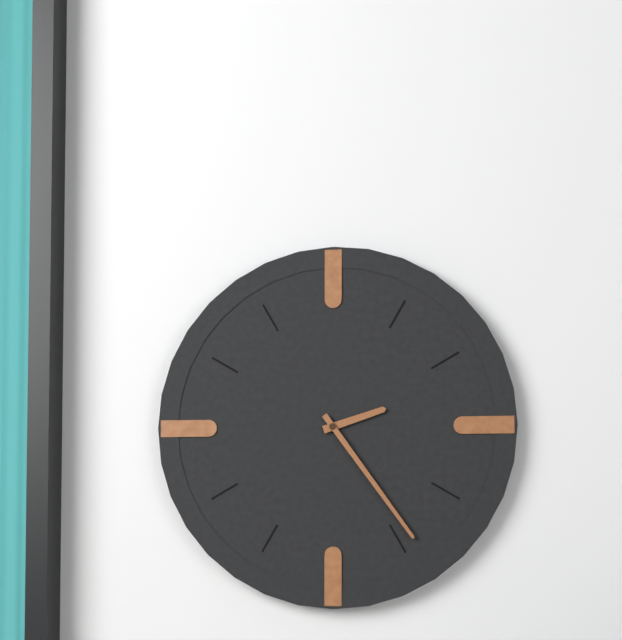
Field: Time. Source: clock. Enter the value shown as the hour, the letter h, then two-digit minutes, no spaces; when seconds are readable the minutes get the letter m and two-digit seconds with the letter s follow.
2h24
